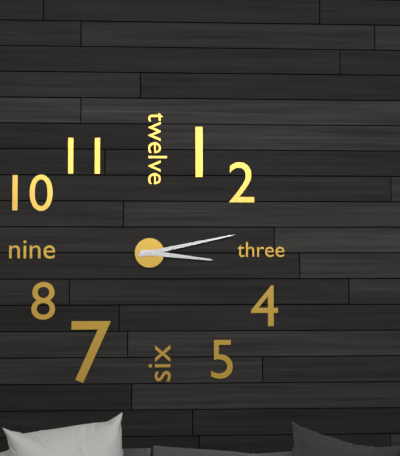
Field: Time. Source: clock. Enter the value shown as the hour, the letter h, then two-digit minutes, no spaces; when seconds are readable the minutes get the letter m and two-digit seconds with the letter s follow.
3h13
